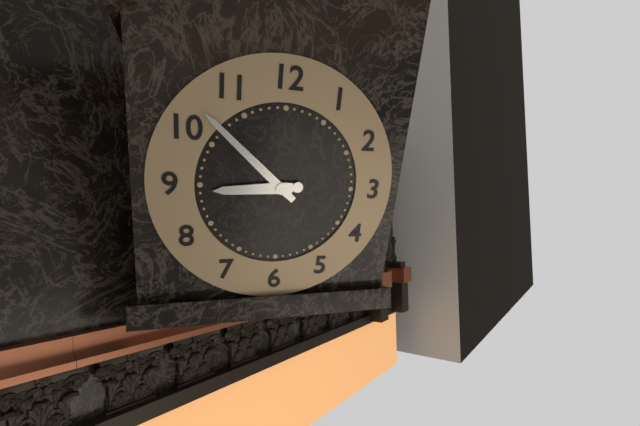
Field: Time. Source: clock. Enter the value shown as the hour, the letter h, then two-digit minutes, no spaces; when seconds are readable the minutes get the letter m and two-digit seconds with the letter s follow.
8h52
